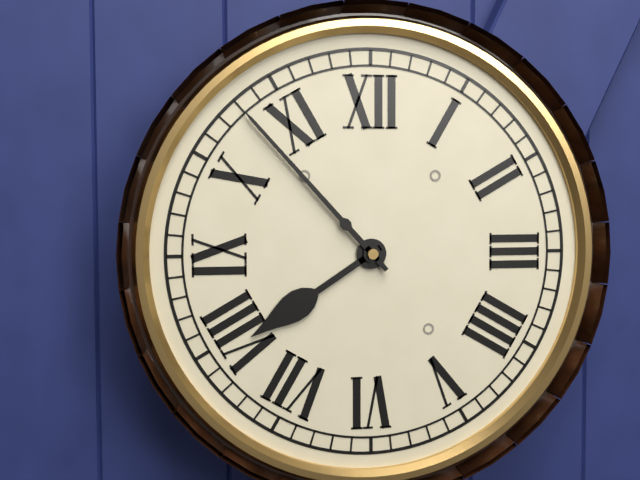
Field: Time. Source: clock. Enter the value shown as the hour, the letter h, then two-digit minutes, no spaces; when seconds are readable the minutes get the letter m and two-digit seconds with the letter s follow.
7h53
